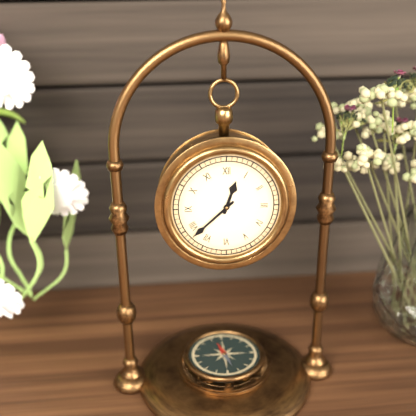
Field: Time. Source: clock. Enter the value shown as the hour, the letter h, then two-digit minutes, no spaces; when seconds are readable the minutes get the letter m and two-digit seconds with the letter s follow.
12h38
